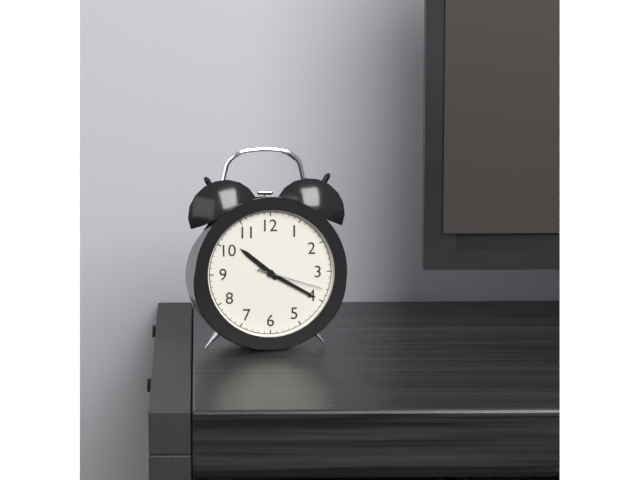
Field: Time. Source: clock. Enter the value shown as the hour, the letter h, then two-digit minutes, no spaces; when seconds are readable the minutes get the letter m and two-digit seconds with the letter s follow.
10h20m18s
